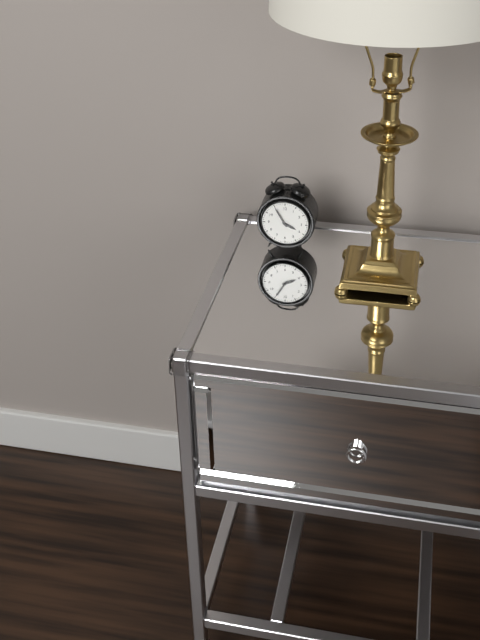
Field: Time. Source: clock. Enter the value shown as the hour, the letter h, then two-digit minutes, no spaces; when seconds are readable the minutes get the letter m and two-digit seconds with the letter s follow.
3h55
